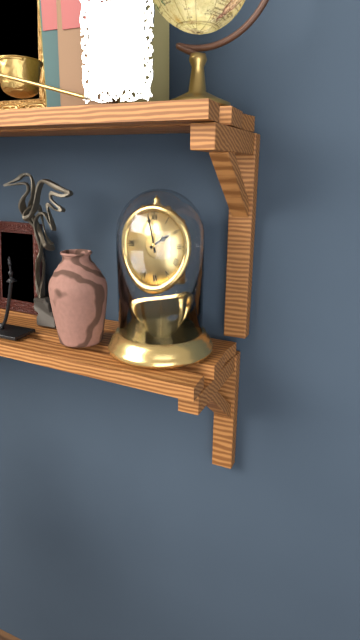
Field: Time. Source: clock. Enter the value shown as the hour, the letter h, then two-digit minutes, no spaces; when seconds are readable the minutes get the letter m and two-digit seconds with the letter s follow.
1h58
